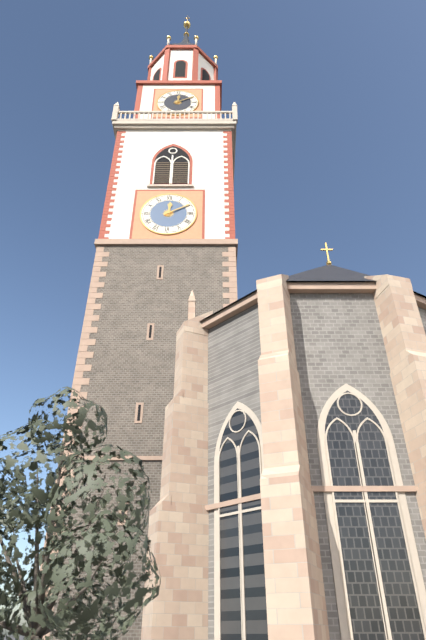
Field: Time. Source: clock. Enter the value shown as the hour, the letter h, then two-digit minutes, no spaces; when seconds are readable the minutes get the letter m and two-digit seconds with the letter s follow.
12h10
